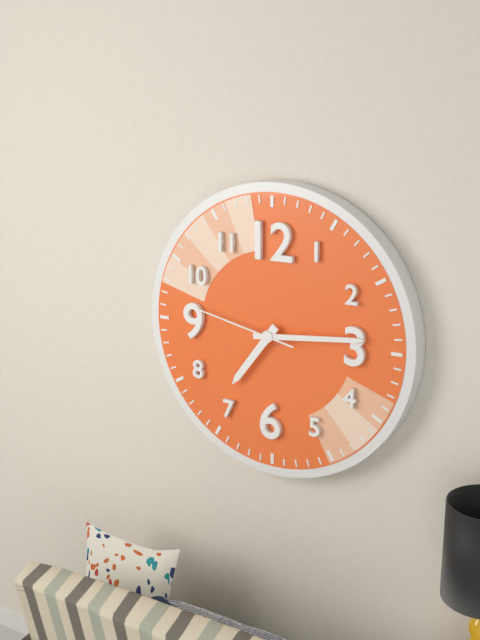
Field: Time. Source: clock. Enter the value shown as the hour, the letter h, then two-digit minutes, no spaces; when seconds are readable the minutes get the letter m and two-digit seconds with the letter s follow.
7h14m47s
